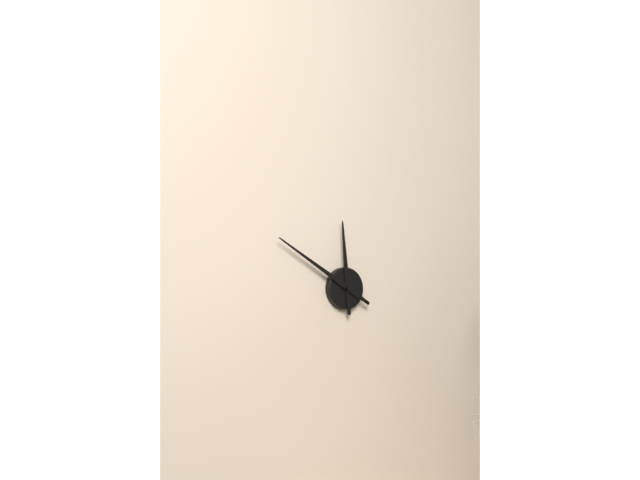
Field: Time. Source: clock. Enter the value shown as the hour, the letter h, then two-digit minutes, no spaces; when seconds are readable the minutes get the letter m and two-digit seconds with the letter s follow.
11h50
